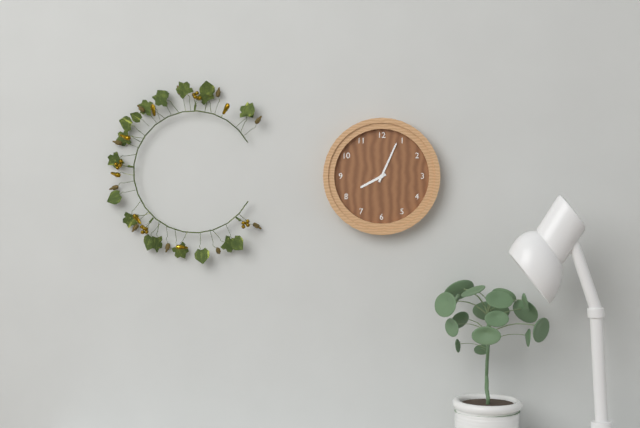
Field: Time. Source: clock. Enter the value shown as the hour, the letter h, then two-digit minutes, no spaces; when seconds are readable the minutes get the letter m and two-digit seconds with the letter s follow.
8h04
